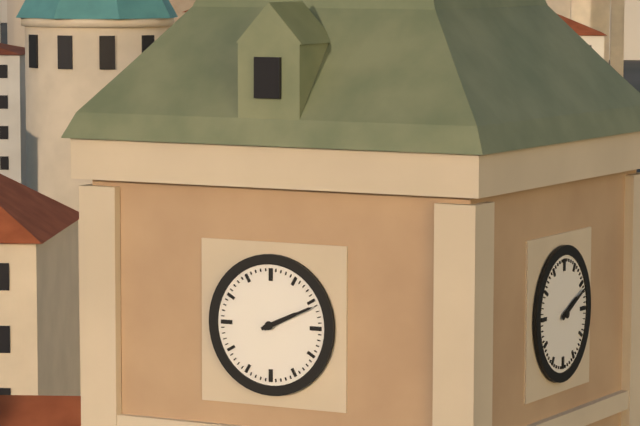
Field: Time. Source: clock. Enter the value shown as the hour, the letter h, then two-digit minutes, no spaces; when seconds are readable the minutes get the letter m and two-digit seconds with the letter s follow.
2h11
